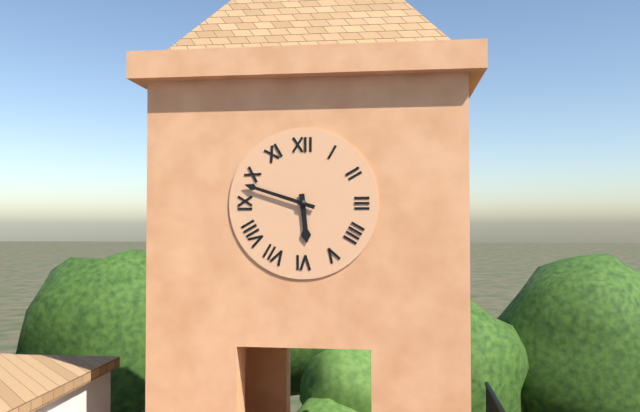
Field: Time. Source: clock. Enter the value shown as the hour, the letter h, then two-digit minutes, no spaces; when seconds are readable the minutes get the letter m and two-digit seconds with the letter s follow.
5h48
